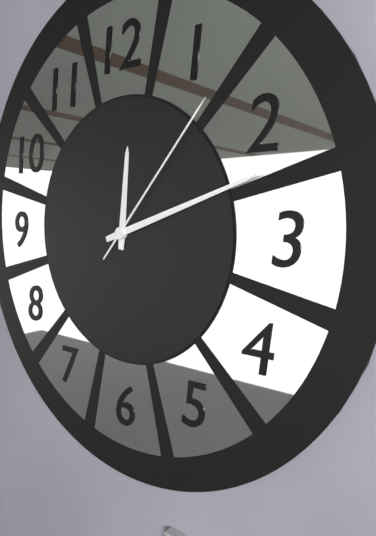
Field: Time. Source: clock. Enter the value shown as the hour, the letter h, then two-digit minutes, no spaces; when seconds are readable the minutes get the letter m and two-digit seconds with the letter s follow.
12h12m07s
